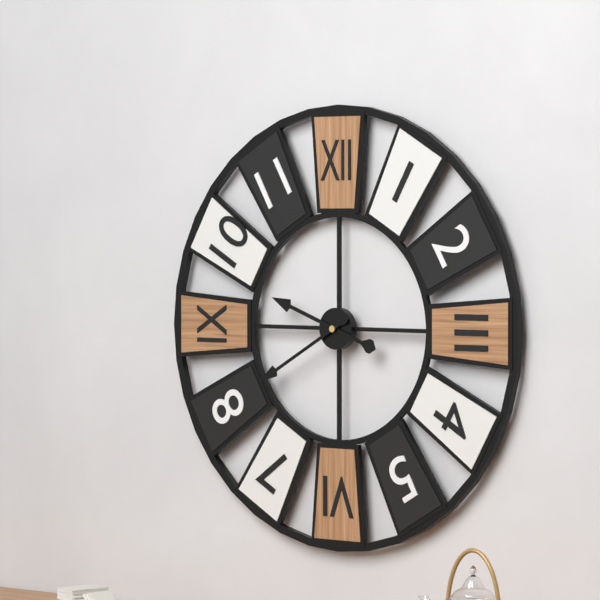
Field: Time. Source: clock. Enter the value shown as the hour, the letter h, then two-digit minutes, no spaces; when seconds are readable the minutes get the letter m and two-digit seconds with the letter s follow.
9h40
